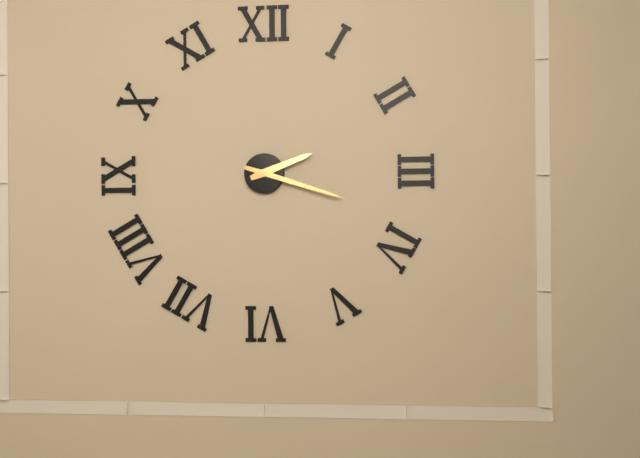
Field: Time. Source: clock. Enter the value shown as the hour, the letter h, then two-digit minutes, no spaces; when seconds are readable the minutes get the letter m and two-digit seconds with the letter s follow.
2h18
